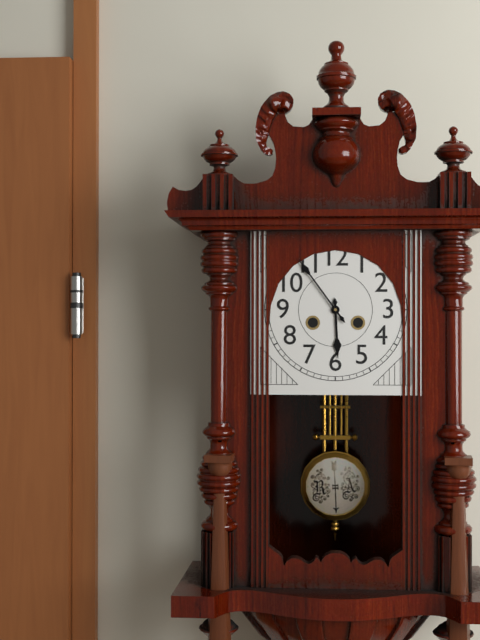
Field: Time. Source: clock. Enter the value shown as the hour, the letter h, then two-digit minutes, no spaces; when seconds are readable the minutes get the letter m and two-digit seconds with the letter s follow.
5h54
